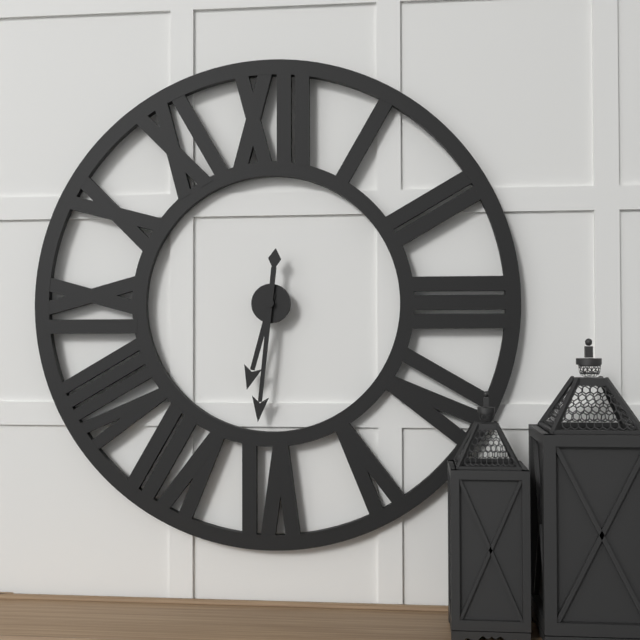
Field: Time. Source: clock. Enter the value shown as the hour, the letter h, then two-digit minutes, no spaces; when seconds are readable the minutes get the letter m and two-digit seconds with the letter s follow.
6h31
